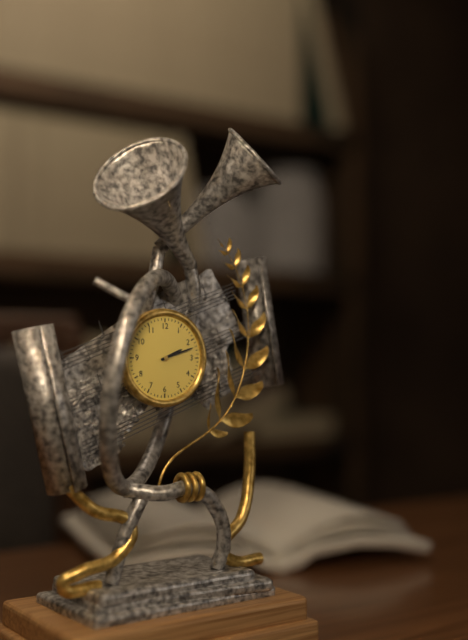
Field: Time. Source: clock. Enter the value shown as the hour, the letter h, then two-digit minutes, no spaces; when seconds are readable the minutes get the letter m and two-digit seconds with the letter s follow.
2h12
